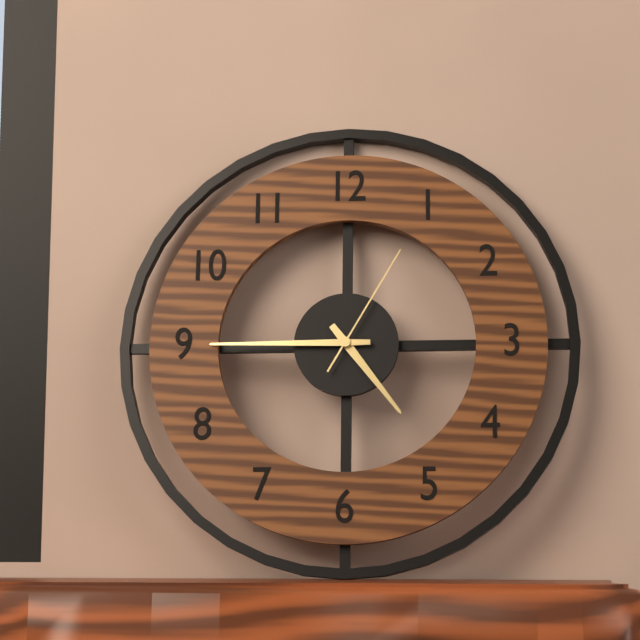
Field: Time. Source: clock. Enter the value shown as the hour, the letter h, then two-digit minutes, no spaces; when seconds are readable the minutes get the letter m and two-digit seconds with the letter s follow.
4h45m05s
